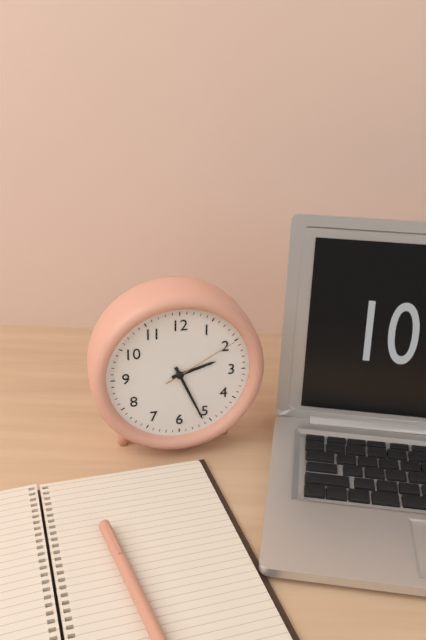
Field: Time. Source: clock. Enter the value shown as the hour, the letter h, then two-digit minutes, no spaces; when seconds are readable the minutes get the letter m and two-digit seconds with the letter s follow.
2h26m10s
